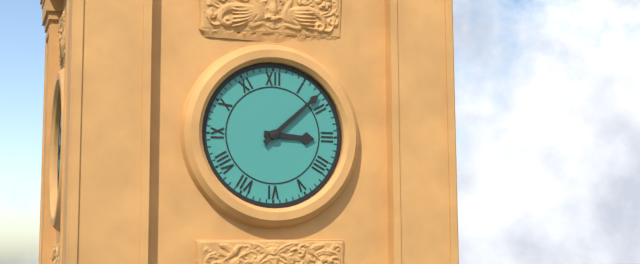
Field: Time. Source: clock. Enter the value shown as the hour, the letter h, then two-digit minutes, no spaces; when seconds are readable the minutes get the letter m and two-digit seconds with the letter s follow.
3h08
